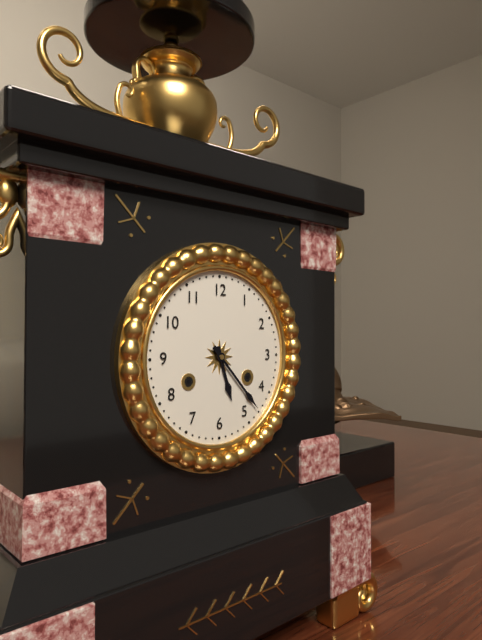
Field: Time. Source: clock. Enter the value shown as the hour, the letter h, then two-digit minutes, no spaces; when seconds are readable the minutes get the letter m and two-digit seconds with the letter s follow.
5h23
